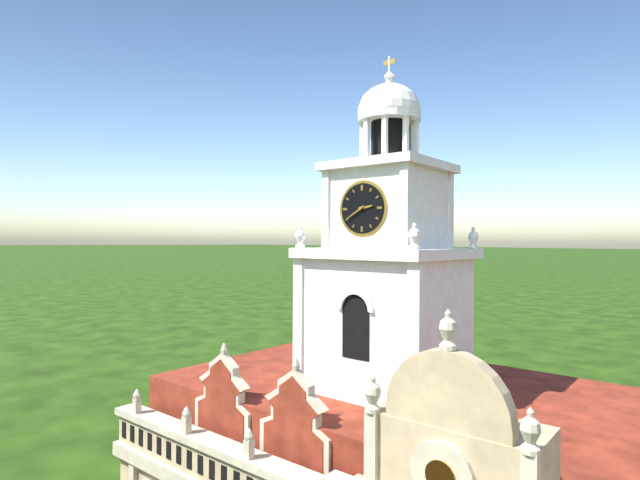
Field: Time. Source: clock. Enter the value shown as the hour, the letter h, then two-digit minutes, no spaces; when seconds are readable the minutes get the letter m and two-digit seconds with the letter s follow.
2h40
